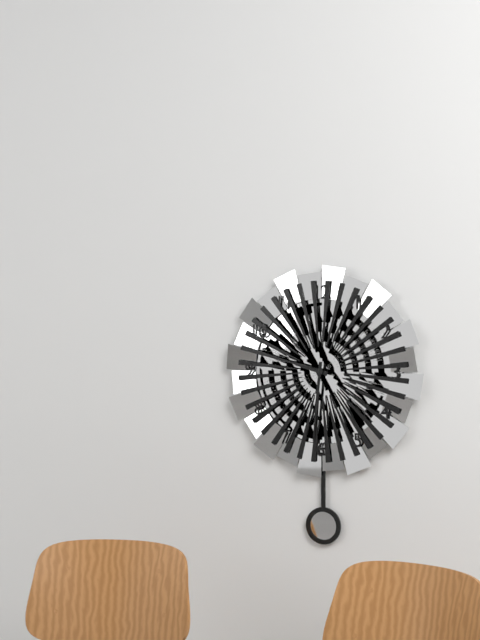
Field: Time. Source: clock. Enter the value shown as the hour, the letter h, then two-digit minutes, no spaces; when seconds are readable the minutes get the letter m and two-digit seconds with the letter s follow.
9h31
